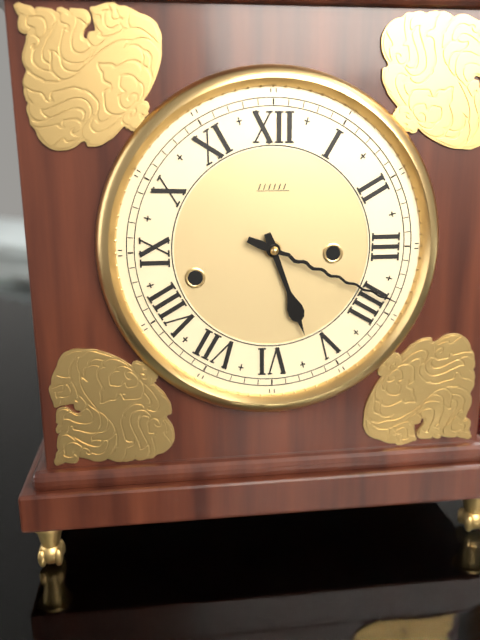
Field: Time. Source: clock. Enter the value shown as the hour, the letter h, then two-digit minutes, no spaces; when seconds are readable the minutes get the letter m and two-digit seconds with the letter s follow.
5h19
